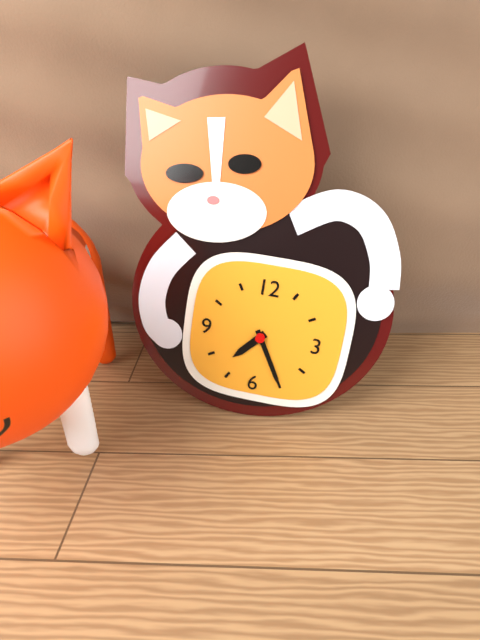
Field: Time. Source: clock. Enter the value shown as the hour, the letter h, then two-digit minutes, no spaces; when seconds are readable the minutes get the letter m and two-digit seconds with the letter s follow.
7h25
